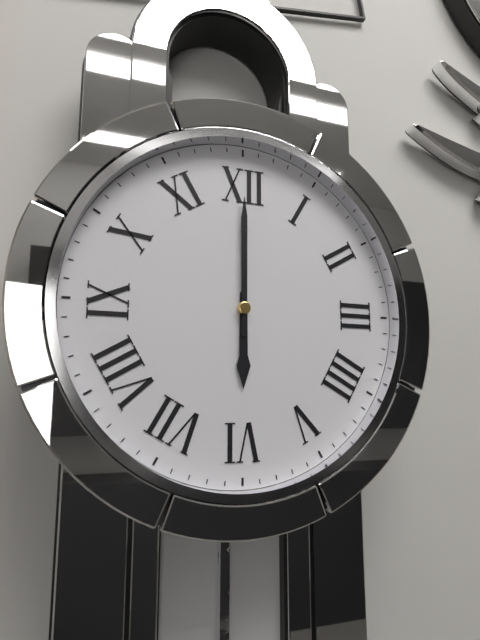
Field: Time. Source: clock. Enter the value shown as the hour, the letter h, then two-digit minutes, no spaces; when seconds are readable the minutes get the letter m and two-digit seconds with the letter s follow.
6h00
